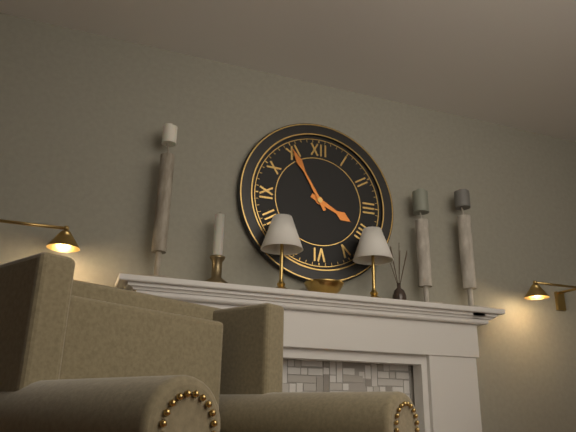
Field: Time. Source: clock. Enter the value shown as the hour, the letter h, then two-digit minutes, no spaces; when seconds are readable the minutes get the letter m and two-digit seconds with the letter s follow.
3h55
